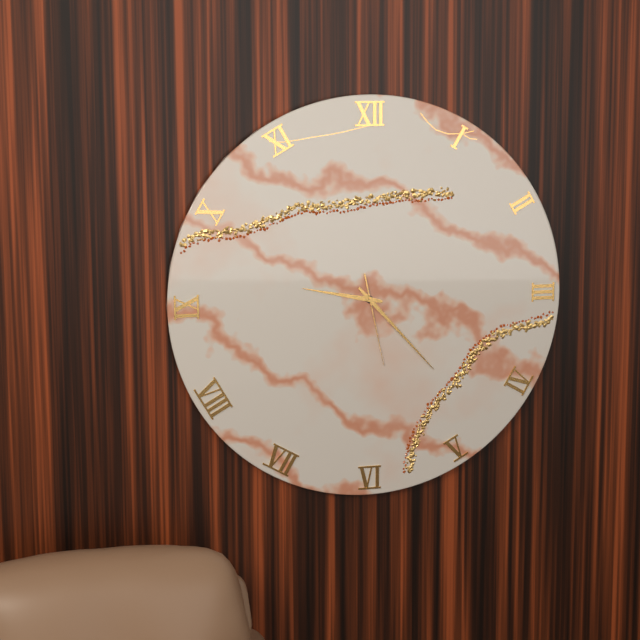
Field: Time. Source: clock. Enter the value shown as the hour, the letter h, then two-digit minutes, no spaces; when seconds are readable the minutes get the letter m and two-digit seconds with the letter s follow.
9h23m28s
